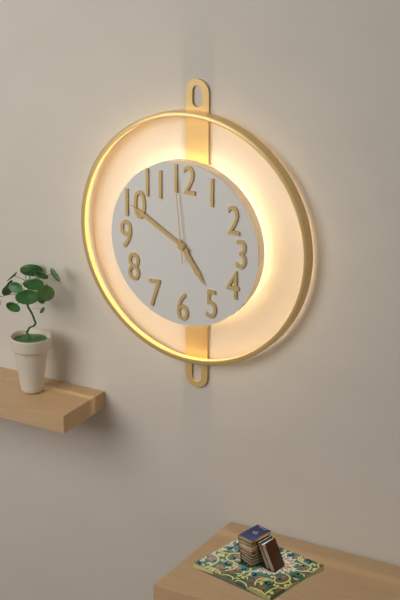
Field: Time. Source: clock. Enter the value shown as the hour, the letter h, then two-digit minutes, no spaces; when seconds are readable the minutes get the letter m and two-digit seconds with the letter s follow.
4h50m59s
